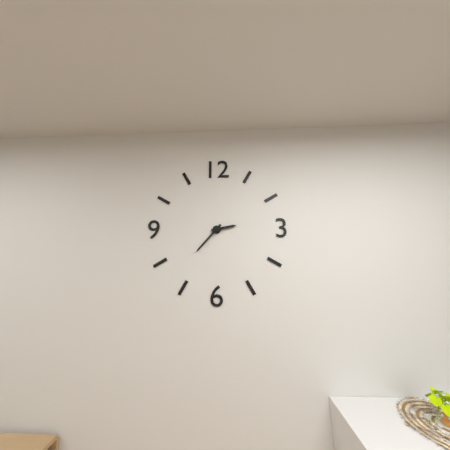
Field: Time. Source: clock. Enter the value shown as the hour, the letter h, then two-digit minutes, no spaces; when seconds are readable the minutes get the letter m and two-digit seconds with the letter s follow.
2h37
